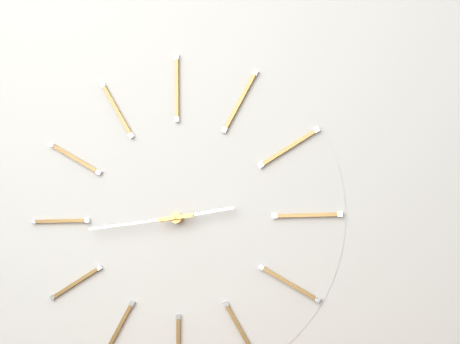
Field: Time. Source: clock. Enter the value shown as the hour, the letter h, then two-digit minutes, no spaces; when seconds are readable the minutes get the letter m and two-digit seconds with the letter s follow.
2h44
